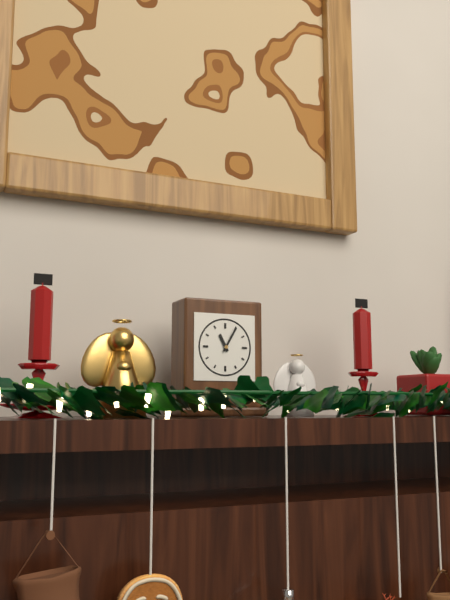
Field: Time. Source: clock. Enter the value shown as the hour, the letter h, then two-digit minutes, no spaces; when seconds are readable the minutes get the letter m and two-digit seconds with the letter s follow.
11h05
